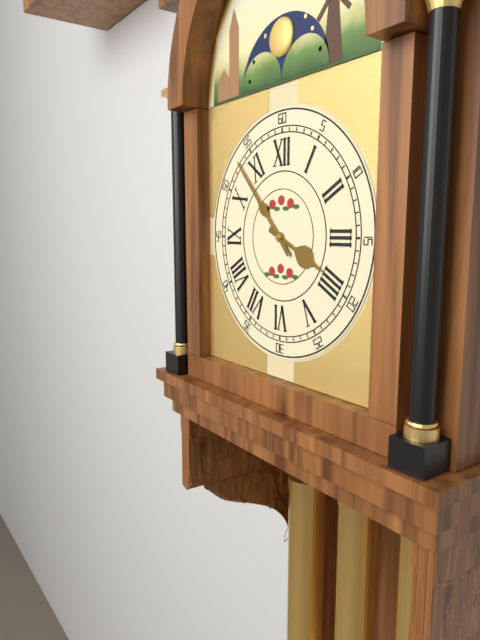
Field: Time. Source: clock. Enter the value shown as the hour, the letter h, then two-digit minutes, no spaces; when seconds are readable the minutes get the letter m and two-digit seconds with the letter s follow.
3h53
